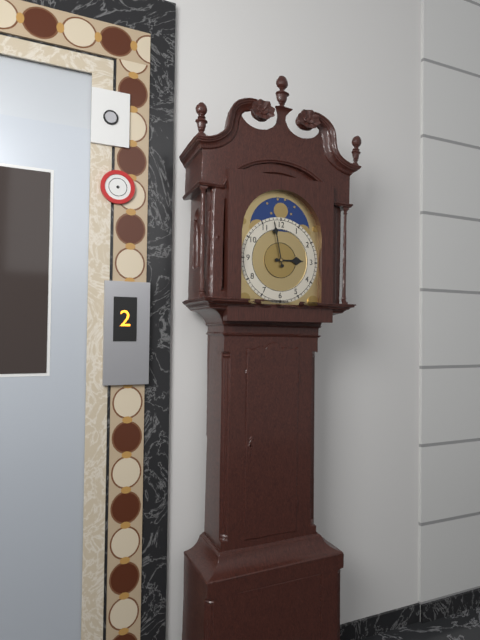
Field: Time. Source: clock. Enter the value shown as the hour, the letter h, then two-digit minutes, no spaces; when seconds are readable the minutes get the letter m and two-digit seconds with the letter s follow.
2h58
